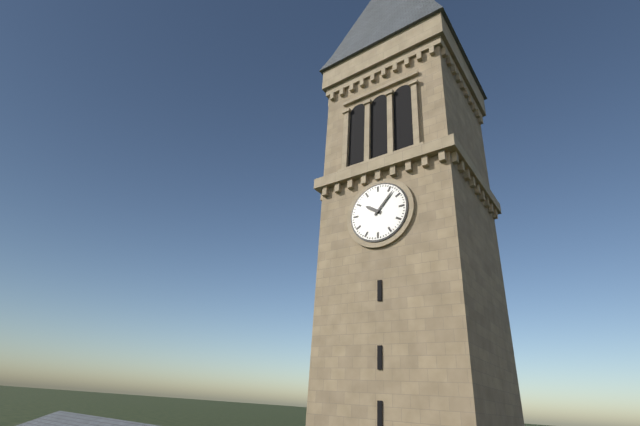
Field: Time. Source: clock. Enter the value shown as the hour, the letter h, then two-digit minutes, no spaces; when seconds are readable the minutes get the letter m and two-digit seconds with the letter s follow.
10h07
